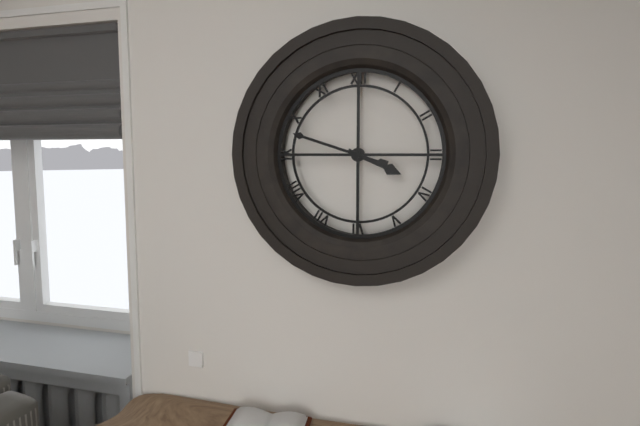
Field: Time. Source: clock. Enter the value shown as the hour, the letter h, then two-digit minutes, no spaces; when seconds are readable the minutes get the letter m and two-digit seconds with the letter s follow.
3h48
